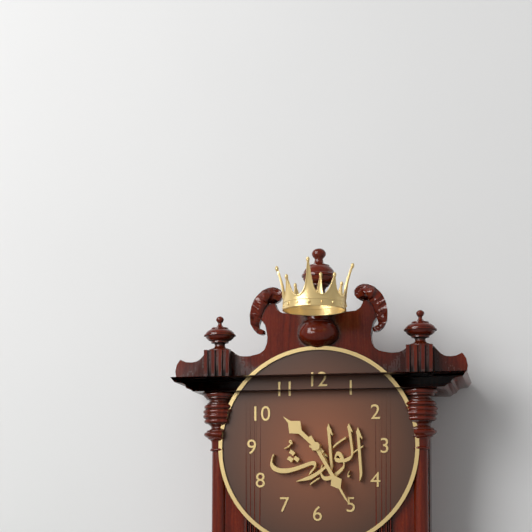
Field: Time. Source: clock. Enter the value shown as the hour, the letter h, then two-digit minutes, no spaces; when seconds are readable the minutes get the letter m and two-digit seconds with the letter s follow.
10h25
